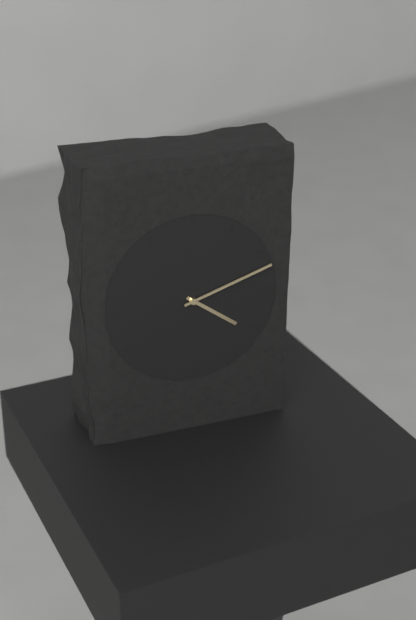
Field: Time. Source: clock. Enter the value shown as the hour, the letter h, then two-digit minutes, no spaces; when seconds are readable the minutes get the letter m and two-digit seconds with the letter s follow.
4h12
